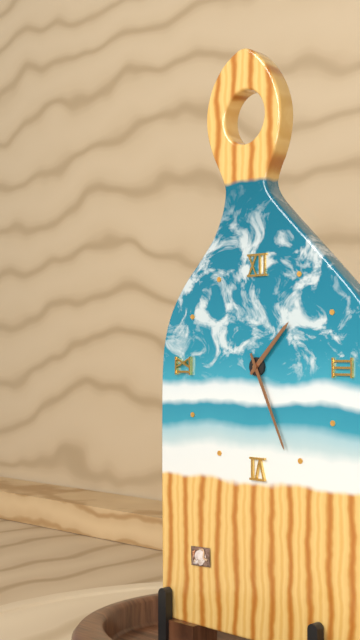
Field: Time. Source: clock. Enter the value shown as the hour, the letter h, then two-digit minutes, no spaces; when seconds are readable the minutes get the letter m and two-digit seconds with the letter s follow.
1h26
